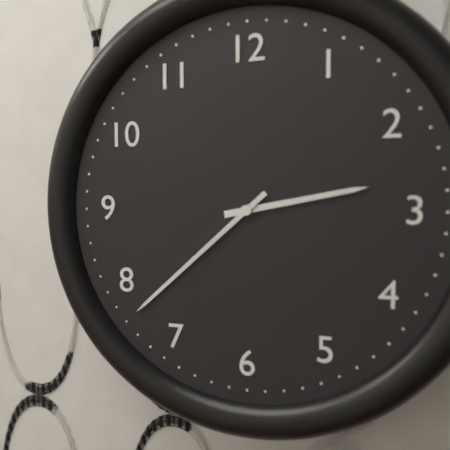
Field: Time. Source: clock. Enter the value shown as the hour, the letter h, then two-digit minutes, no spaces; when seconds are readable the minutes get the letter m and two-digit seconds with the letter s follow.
2h38
